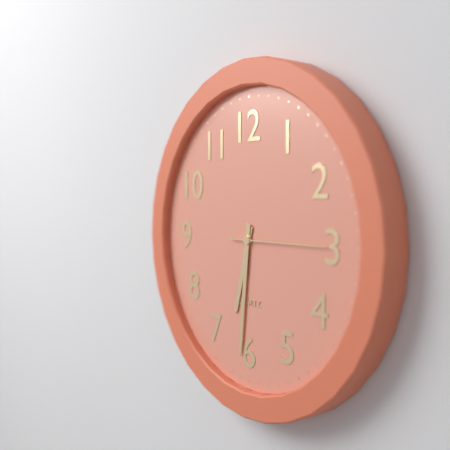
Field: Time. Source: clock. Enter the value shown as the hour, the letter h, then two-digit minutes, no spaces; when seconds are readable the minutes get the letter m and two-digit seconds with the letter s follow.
6h31m15s
